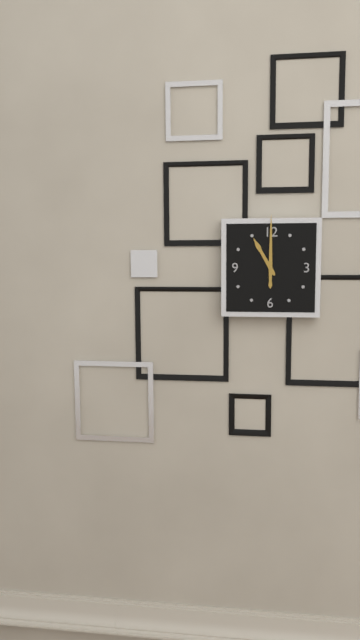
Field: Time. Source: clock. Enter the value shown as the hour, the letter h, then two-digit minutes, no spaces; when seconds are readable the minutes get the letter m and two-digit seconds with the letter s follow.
11h00
